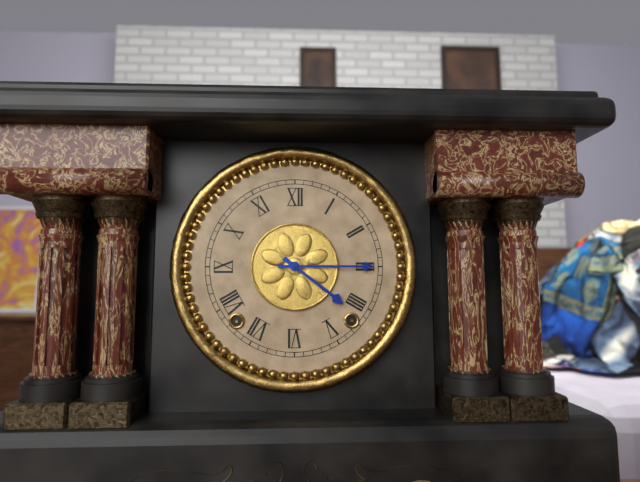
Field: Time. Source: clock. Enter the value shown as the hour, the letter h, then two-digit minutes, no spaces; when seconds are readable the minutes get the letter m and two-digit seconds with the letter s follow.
4h15
